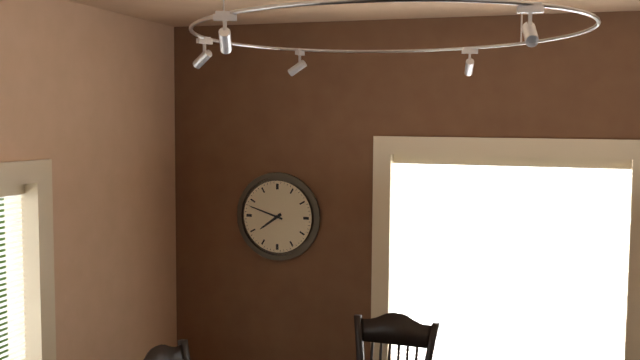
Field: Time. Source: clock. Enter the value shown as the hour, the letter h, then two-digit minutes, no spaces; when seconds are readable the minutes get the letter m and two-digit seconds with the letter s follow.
7h48
